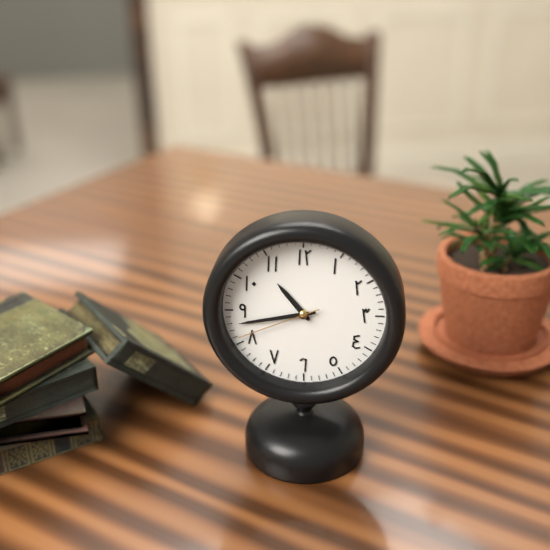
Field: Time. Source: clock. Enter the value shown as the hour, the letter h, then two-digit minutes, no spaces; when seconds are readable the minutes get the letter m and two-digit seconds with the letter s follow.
10h43m41s
